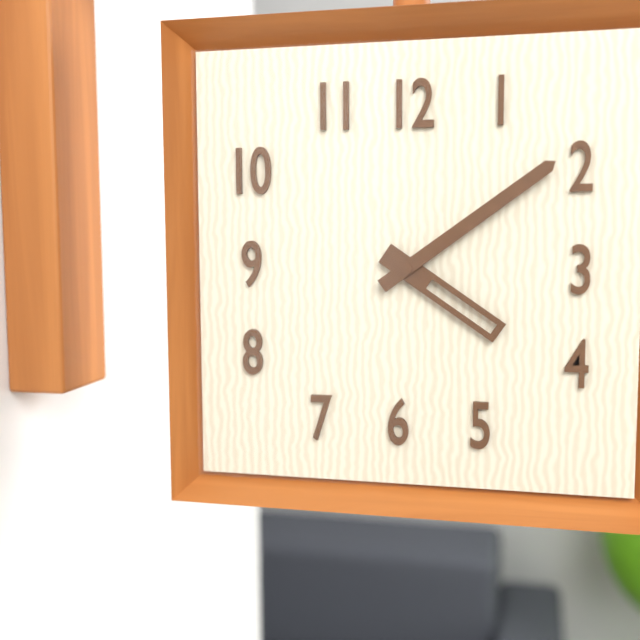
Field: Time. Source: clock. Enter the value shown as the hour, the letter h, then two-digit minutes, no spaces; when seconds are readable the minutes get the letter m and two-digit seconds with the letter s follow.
4h09
